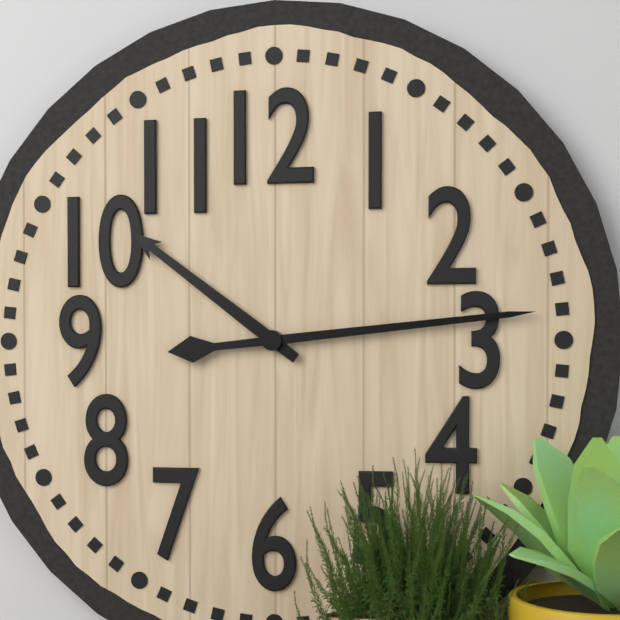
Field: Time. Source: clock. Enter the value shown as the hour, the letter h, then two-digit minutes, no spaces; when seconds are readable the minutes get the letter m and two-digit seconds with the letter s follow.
10h14
